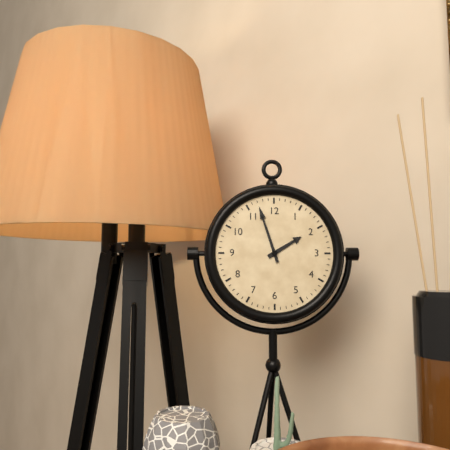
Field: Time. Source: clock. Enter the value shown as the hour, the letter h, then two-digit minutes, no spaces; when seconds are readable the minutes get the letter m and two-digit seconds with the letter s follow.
1h57
